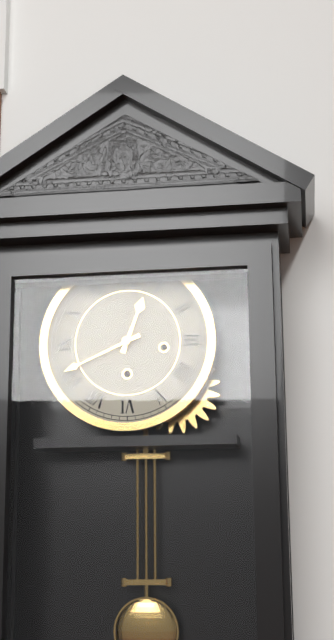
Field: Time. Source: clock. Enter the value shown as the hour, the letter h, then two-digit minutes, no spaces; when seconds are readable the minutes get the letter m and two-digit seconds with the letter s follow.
12h41
